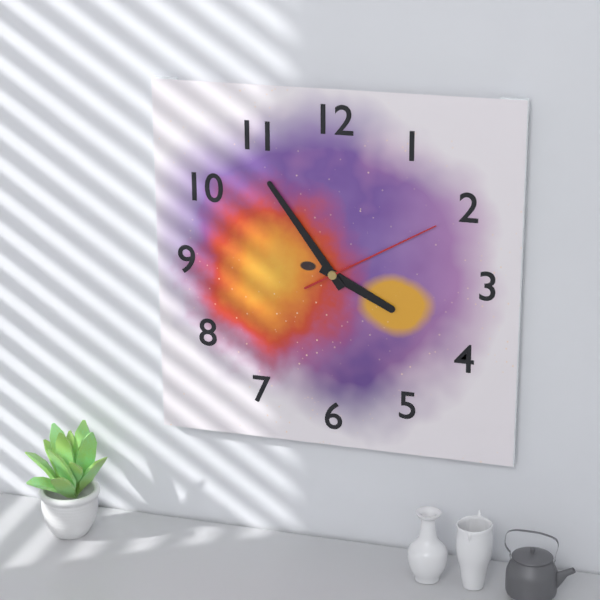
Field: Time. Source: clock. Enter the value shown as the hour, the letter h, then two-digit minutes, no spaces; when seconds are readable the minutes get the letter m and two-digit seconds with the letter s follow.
3h54m10s
